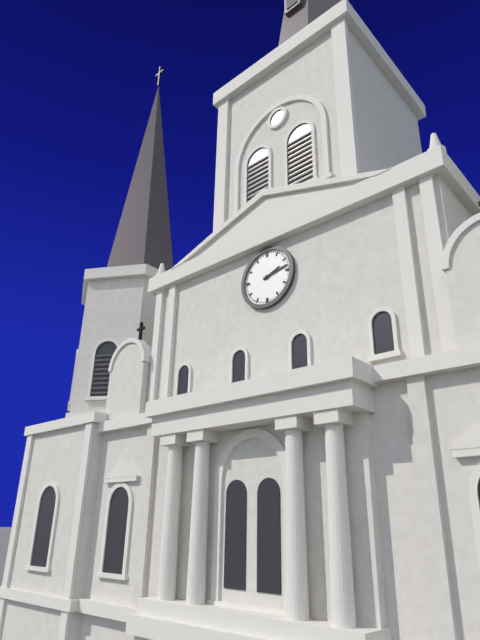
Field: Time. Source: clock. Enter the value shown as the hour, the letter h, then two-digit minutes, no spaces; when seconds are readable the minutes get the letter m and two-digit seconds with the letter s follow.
2h13
